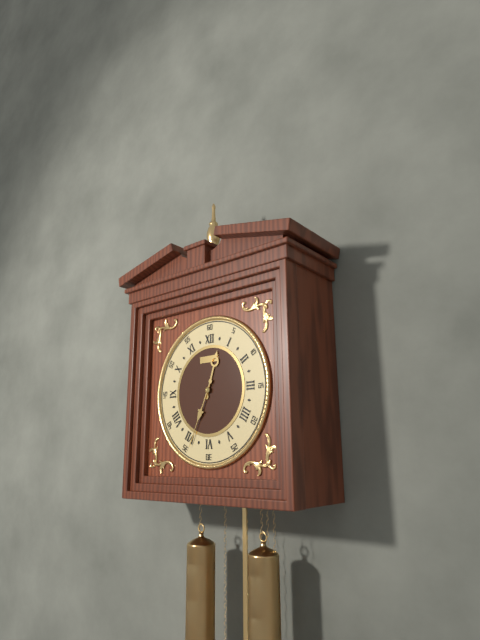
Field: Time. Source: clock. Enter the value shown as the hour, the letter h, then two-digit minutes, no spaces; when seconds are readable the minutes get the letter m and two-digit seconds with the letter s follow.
12h34
